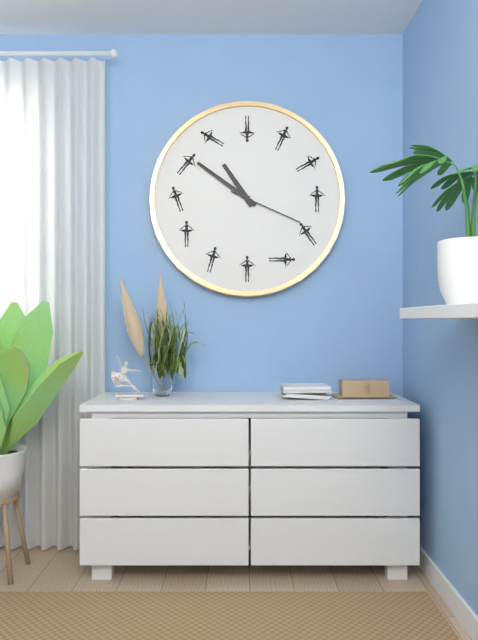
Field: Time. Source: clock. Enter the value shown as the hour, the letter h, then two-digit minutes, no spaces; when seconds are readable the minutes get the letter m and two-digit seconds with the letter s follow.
10h51m19s
